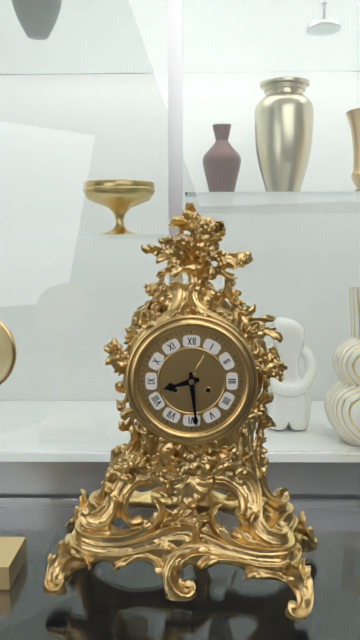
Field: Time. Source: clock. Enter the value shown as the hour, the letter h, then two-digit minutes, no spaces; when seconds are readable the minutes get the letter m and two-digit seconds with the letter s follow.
8h29
